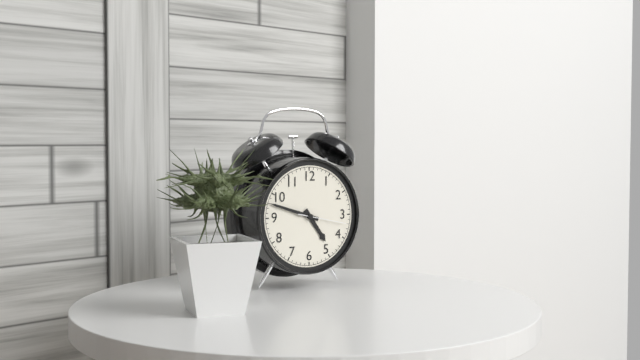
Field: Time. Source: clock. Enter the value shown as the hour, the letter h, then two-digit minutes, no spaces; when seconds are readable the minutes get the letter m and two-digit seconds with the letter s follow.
4h48
